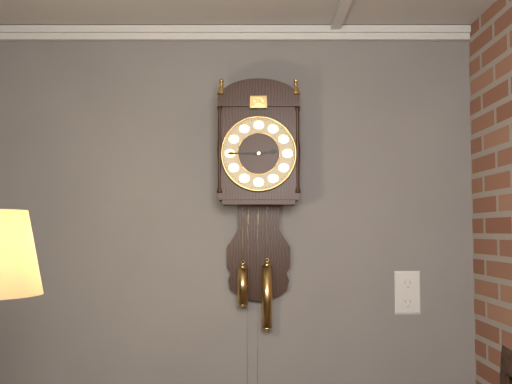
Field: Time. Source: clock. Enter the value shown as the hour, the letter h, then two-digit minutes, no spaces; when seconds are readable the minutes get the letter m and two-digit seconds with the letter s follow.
2h45
